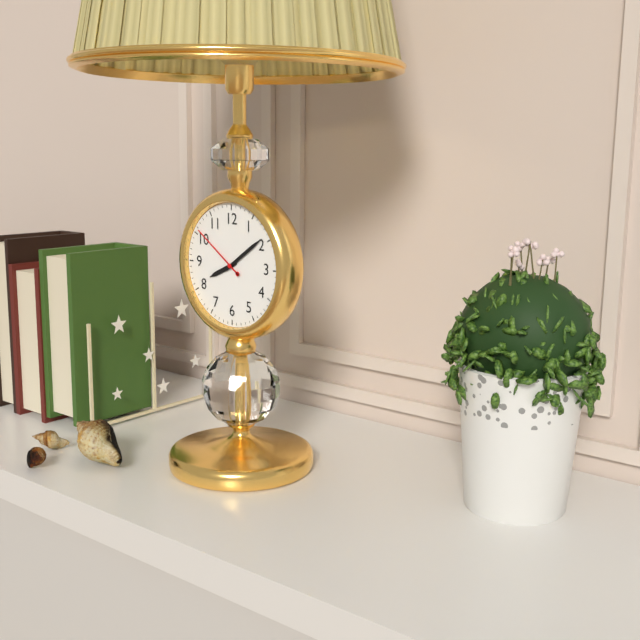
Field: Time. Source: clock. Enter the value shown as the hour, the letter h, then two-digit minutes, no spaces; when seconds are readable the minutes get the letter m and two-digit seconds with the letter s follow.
8h09m51s
